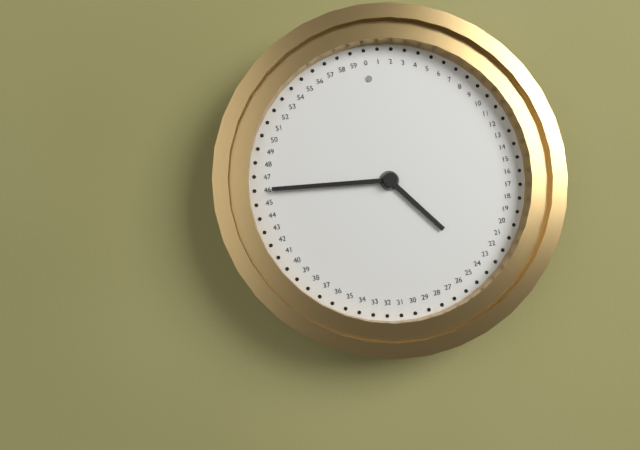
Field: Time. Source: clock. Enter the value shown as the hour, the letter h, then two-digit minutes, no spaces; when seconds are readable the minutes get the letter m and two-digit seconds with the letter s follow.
4h46
